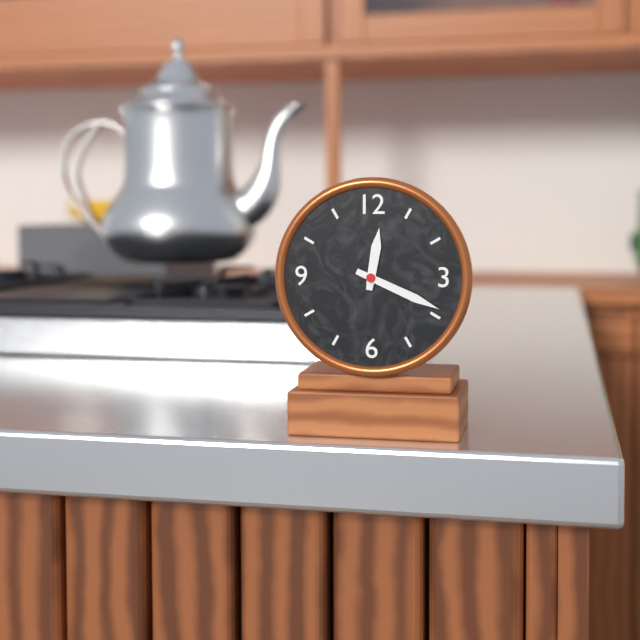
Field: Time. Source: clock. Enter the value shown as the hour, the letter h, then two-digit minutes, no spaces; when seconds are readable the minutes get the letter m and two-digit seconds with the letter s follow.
12h19
